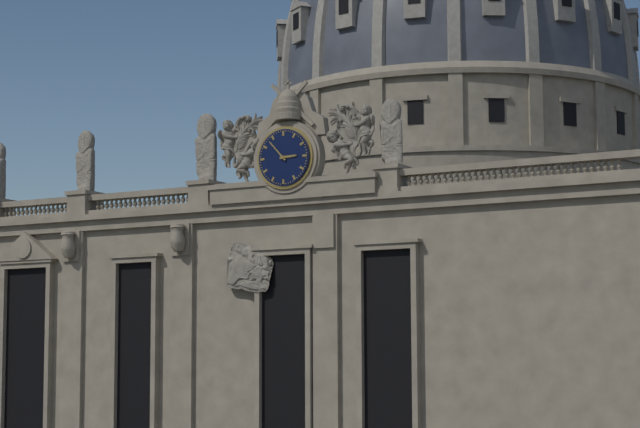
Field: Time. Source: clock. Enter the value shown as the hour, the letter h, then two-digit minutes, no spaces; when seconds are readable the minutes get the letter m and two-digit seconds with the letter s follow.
2h53
